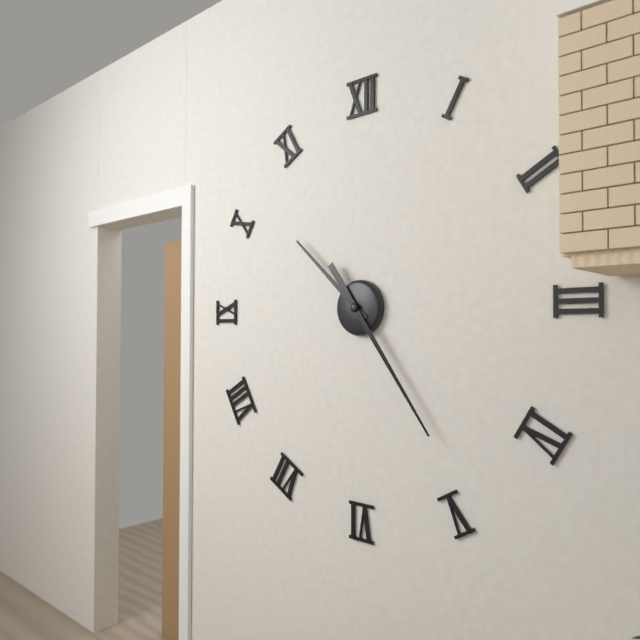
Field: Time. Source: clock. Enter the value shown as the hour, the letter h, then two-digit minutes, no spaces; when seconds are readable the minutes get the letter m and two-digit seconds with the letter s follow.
10h24
